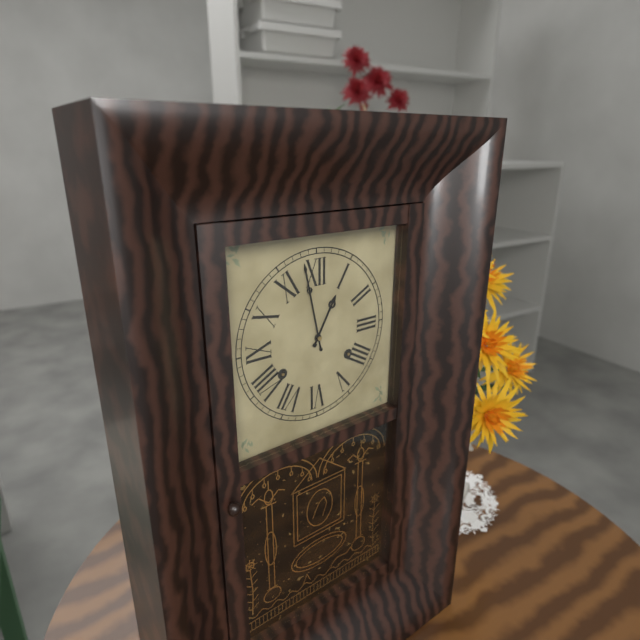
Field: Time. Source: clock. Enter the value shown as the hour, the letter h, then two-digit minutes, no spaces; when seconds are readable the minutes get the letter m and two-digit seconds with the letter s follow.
12h58
